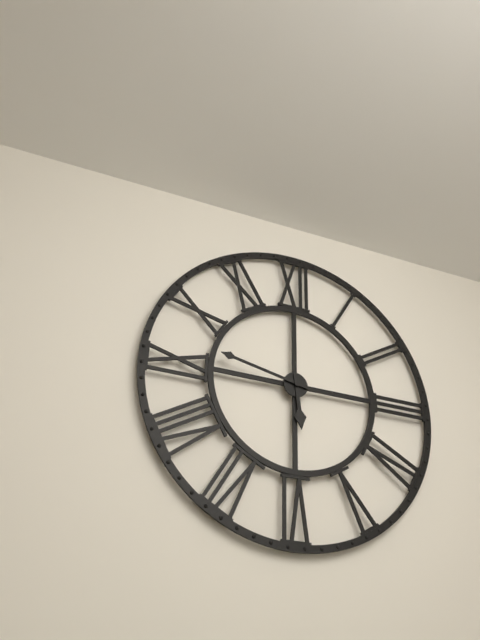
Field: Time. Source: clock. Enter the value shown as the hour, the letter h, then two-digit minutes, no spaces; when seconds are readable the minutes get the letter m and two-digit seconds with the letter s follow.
5h47
